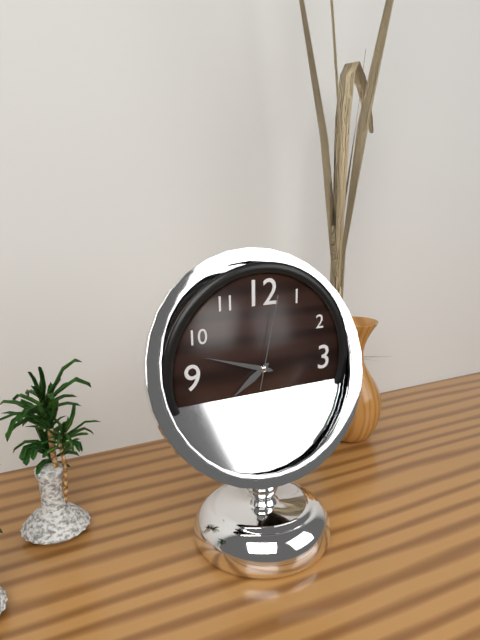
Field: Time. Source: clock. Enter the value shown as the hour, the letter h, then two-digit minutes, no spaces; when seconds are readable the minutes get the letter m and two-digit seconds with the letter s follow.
7h48m02s
